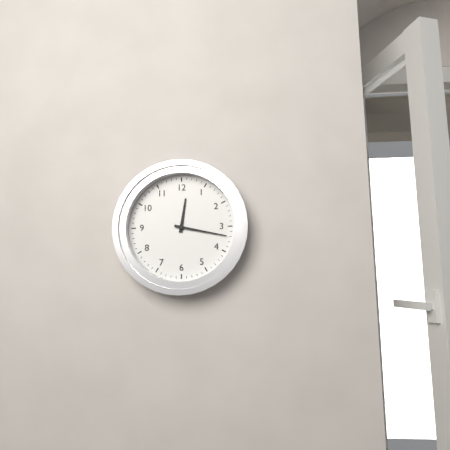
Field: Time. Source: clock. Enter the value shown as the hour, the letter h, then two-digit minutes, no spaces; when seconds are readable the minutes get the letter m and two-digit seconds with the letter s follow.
12h17
